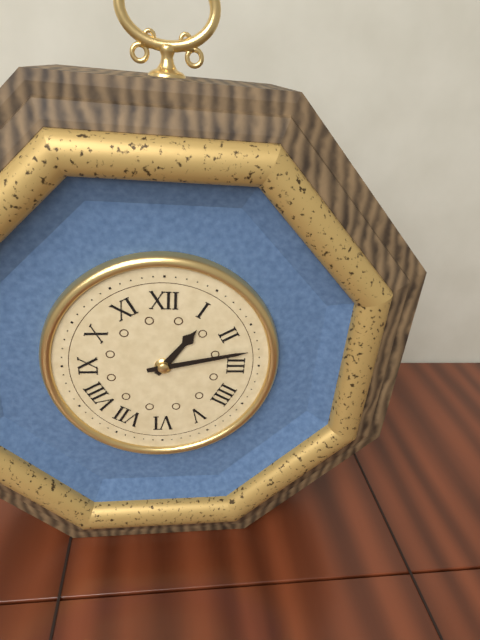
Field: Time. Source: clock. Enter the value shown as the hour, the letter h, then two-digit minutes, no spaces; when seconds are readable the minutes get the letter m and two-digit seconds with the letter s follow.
1h13
